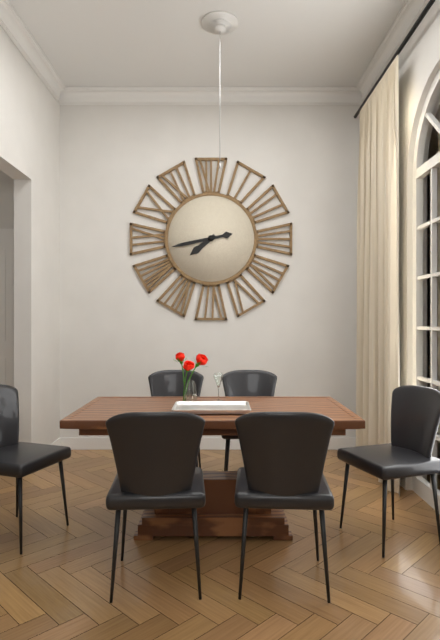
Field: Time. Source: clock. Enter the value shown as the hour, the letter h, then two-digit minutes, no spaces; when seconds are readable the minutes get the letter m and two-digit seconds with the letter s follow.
7h43
